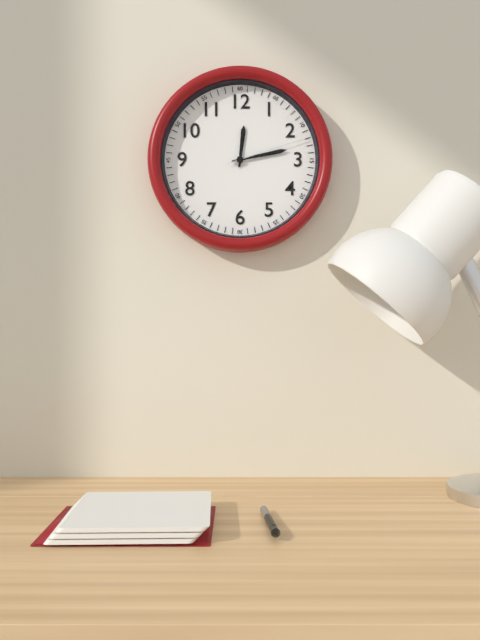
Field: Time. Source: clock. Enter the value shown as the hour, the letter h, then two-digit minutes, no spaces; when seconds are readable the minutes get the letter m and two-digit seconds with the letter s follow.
12h13m12s
